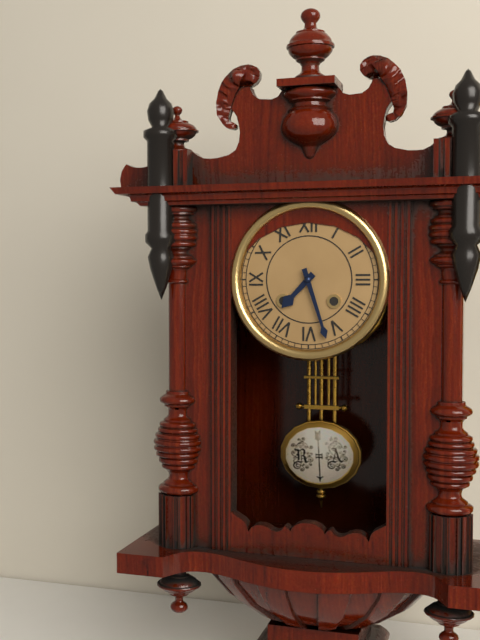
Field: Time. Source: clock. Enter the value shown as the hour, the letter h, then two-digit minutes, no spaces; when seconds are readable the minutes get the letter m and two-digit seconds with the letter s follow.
7h27
